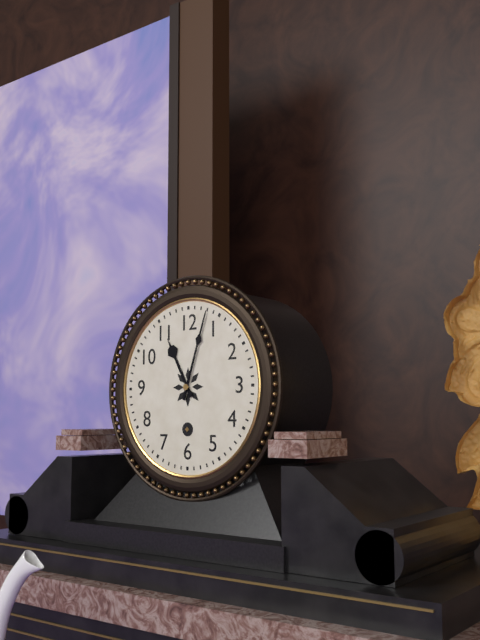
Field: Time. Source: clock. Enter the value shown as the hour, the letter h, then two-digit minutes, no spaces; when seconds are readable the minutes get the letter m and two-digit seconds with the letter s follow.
11h03
